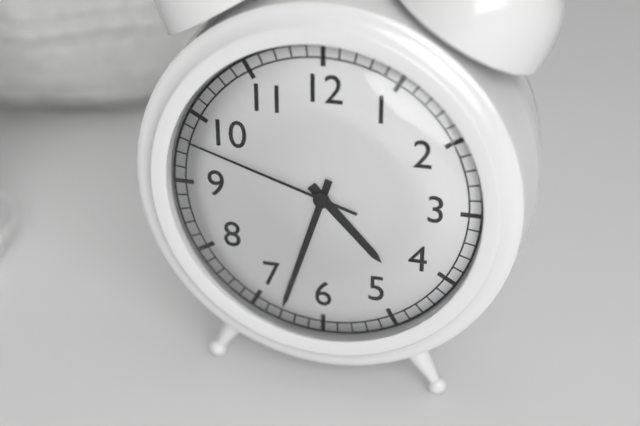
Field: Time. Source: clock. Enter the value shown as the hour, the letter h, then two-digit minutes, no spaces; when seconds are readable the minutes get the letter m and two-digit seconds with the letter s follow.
4h33m48s
